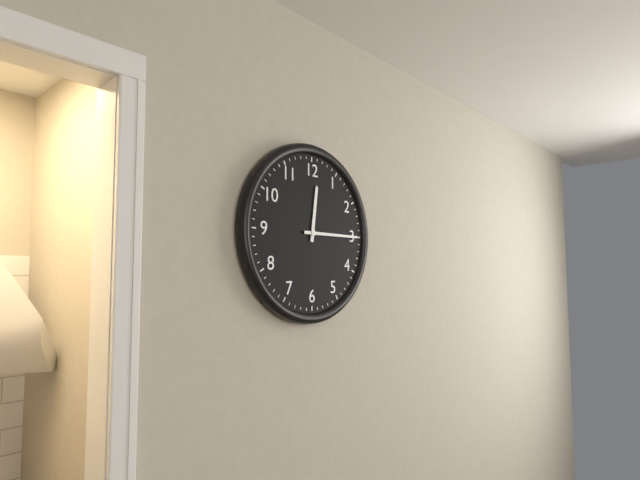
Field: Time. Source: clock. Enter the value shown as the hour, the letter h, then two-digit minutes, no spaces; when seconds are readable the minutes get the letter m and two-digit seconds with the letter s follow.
12h15
